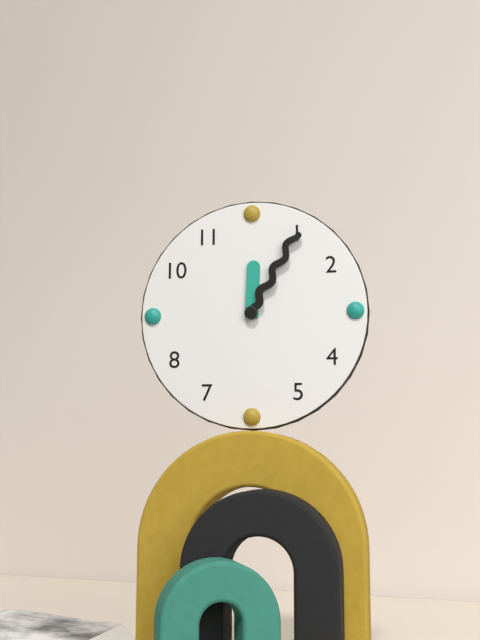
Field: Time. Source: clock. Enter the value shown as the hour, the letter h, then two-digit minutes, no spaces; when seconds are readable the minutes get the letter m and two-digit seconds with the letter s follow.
12h05
